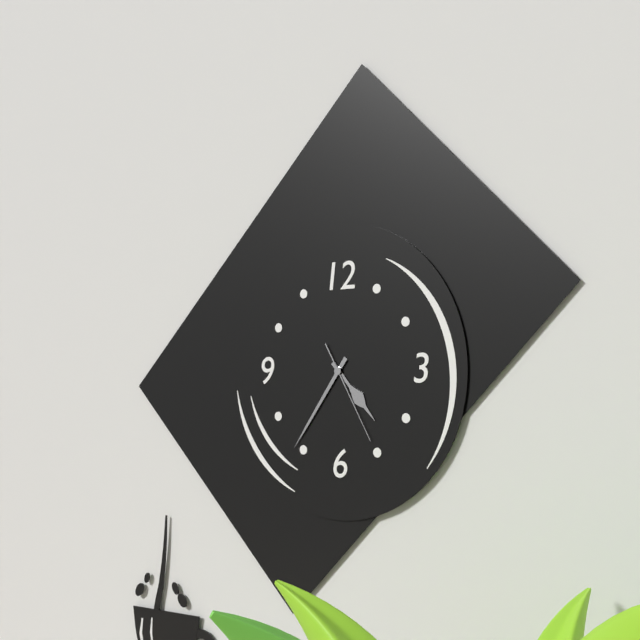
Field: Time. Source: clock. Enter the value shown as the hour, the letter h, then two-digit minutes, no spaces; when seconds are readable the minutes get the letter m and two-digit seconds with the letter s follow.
4h36m25s
